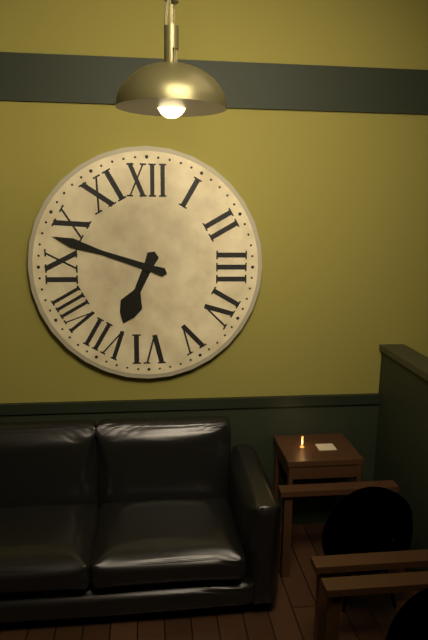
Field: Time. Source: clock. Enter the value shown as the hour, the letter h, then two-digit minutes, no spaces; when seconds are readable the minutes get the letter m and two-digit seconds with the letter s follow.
6h48
